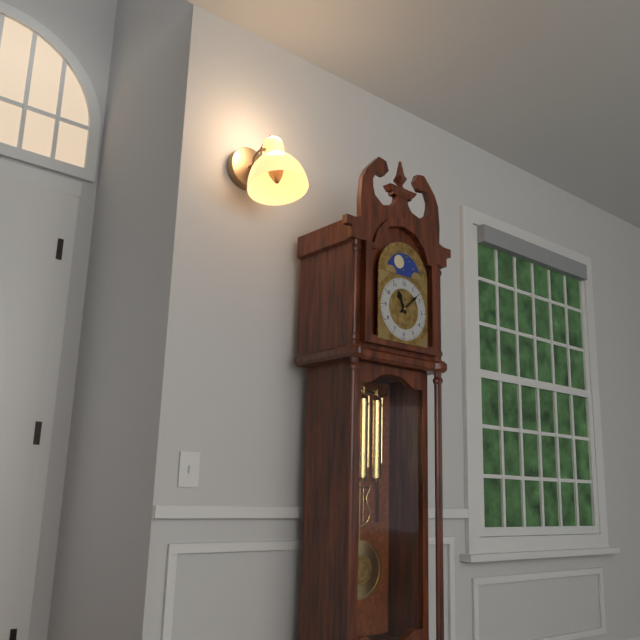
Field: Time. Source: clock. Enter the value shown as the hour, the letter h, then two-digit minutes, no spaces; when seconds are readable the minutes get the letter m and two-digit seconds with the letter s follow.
11h08
